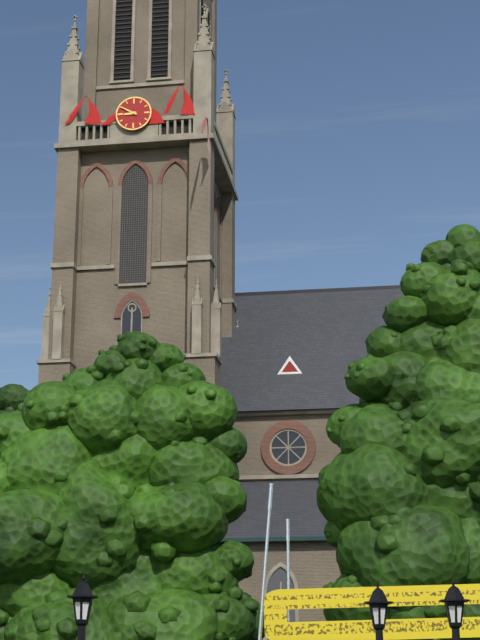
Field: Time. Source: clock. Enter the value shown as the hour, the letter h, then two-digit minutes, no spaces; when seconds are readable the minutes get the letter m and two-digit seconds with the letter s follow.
8h50
